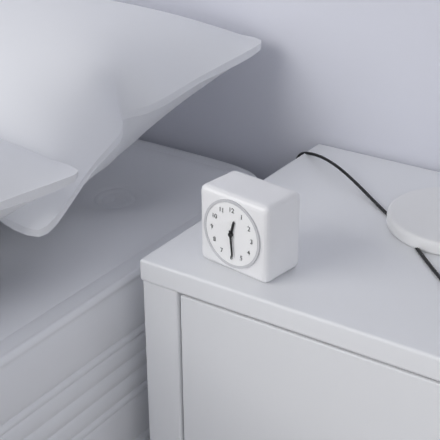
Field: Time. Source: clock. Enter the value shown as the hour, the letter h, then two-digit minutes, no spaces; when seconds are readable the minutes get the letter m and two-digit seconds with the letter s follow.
12h29
